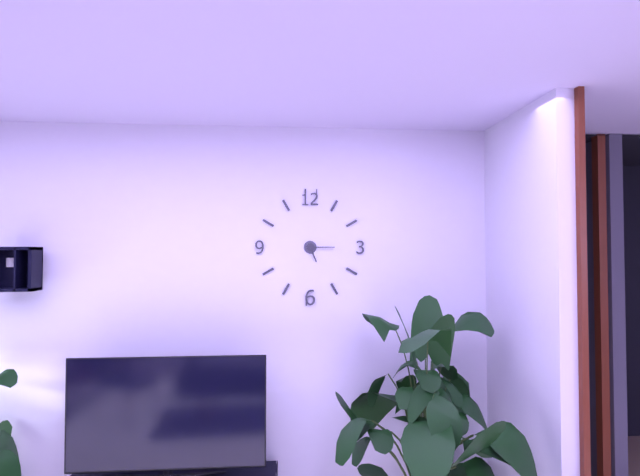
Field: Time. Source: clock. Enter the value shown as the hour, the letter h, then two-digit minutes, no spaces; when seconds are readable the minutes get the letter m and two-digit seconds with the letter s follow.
5h15
